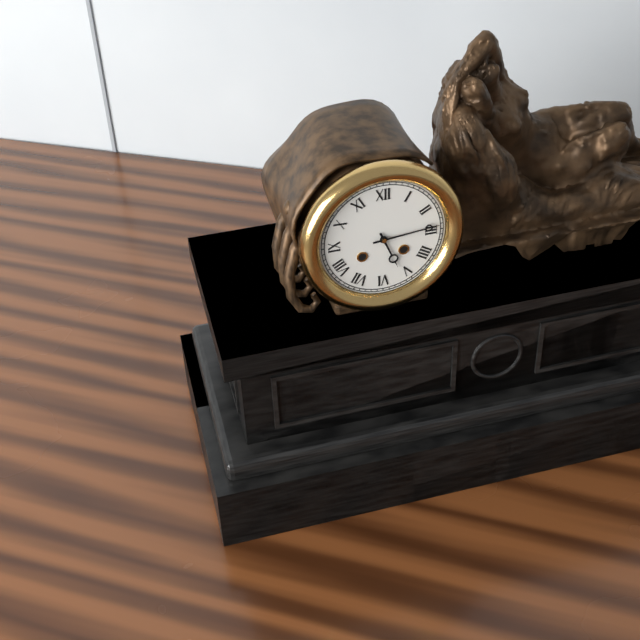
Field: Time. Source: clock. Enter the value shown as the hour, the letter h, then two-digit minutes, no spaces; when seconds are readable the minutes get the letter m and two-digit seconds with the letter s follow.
5h14
